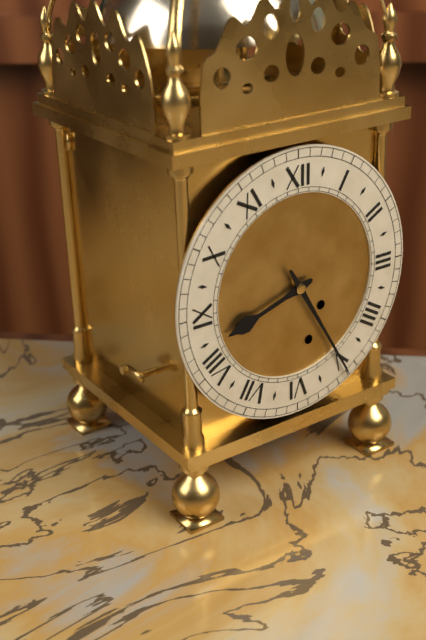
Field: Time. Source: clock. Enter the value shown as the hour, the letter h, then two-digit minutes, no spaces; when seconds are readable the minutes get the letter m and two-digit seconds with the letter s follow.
8h25
